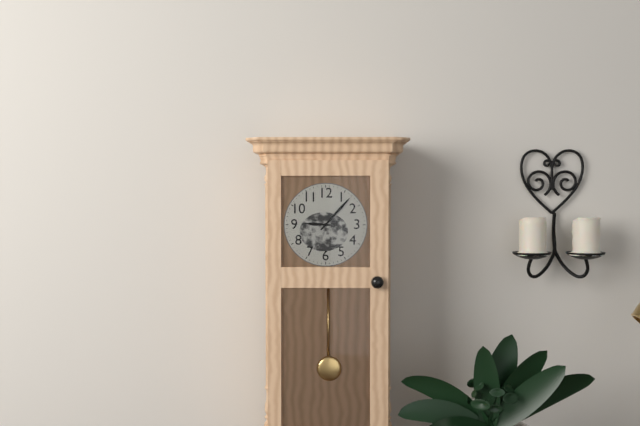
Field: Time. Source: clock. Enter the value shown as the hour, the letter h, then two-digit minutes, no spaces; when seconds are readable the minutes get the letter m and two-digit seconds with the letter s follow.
9h07
